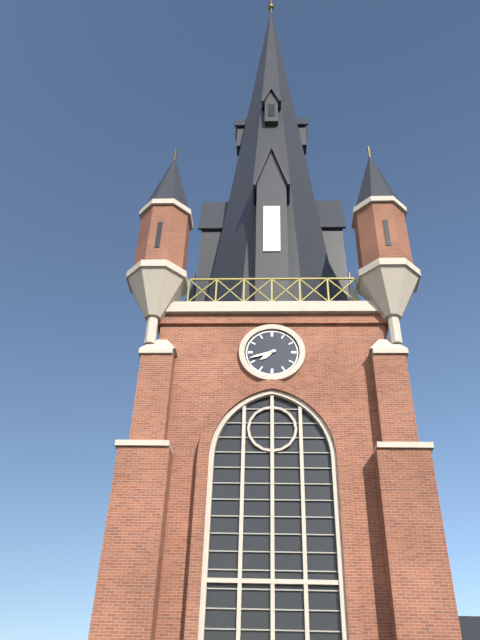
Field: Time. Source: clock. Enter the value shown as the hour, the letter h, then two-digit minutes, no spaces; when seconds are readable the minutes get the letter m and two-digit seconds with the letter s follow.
7h42
